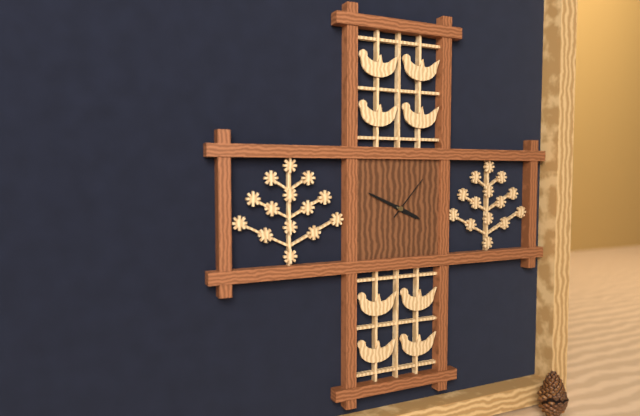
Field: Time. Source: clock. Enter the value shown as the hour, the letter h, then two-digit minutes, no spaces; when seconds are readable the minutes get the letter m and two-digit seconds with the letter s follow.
3h49m07s
